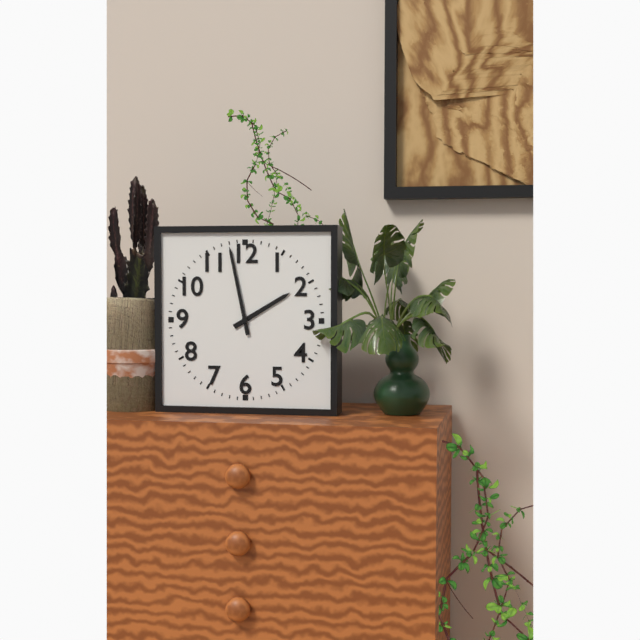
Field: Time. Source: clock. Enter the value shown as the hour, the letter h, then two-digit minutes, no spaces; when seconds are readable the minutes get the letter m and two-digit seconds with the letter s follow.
1h58
